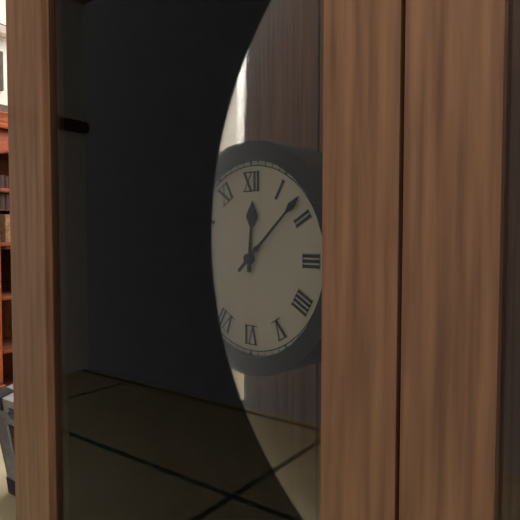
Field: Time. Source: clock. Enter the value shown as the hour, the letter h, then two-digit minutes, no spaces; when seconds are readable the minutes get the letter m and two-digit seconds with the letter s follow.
12h08
